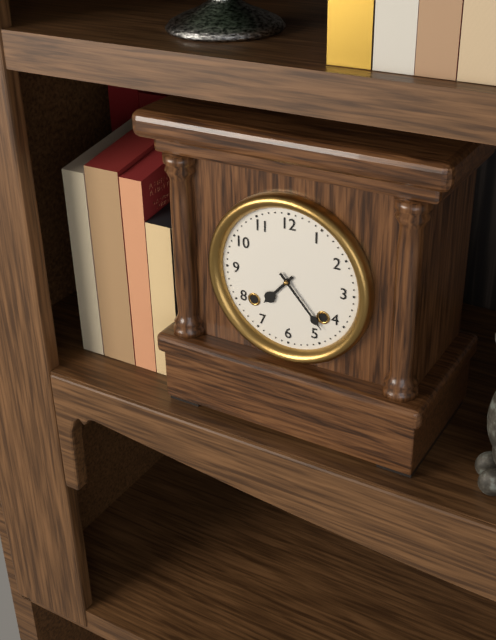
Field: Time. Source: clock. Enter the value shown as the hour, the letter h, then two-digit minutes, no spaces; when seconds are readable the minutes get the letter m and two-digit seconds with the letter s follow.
7h23
